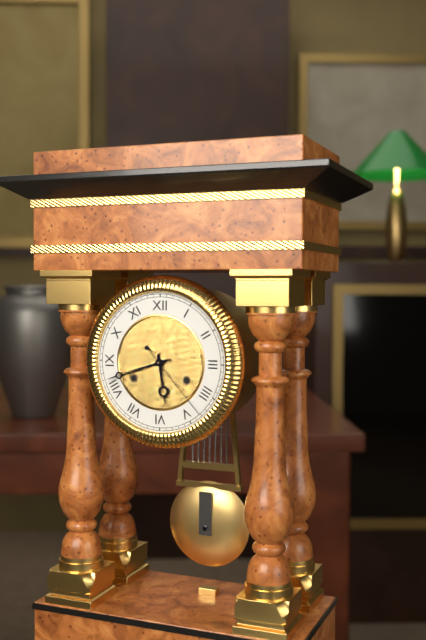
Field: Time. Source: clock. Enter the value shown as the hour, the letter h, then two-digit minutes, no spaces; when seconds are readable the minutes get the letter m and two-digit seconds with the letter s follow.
5h42m23s
